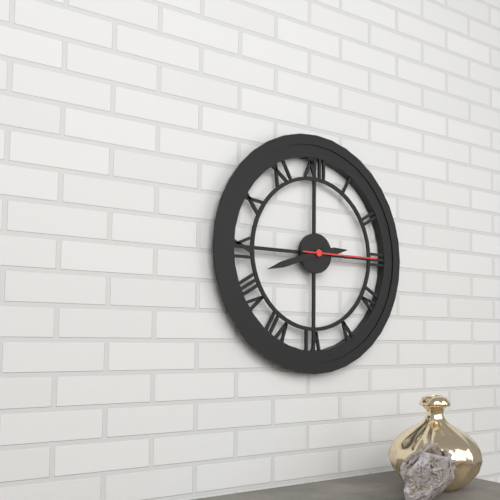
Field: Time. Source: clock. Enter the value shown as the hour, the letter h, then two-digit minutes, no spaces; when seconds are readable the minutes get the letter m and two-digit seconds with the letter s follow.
2h42m15s
